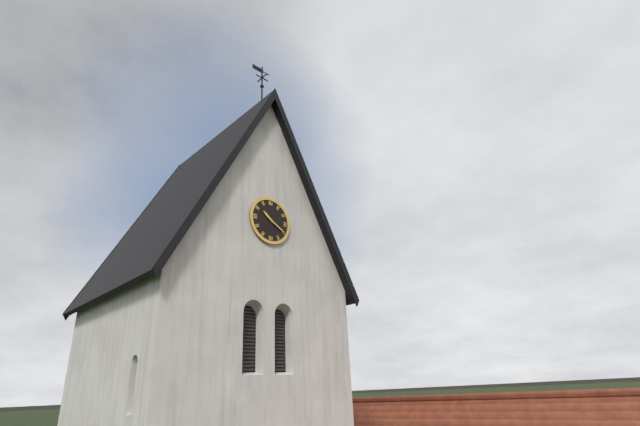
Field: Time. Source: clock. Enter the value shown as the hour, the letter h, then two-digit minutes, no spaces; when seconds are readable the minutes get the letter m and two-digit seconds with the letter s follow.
10h20
